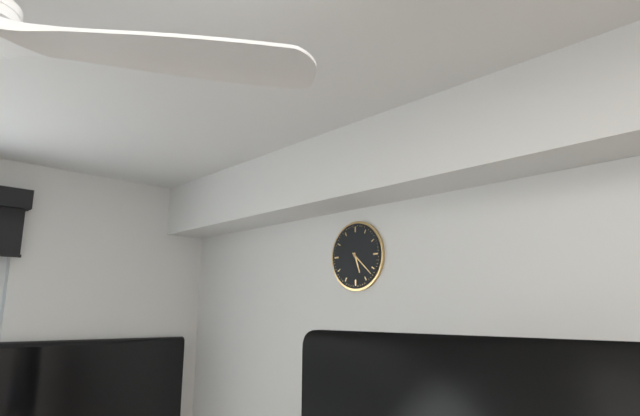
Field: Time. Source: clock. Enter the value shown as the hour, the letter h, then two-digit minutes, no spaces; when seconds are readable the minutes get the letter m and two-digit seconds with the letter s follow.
5h22
